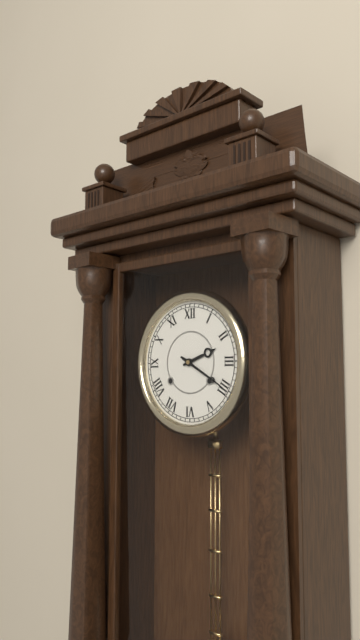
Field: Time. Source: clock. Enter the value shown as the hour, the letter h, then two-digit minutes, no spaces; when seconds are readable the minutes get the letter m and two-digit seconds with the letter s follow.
2h20
